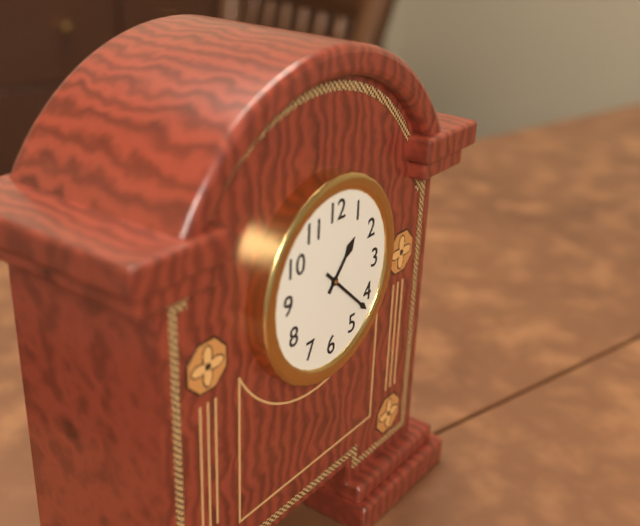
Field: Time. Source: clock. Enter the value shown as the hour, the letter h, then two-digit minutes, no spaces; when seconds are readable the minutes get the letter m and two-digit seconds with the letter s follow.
1h22
